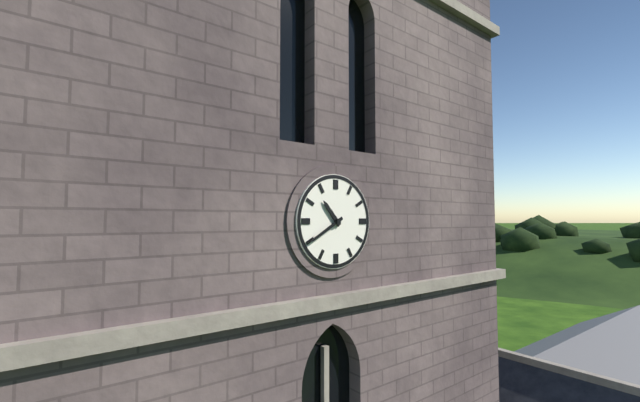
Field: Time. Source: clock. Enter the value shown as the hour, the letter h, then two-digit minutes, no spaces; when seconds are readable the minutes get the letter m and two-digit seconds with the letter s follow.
10h40
